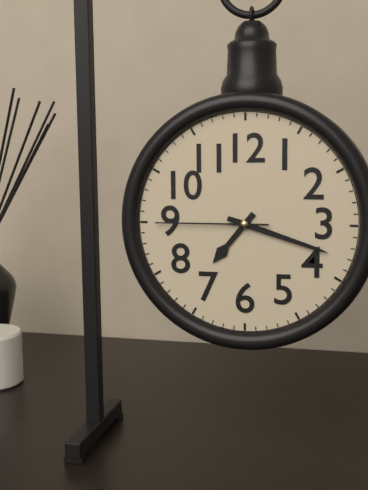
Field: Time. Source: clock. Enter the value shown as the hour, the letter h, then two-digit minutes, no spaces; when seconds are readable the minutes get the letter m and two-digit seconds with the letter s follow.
7h18m45s
